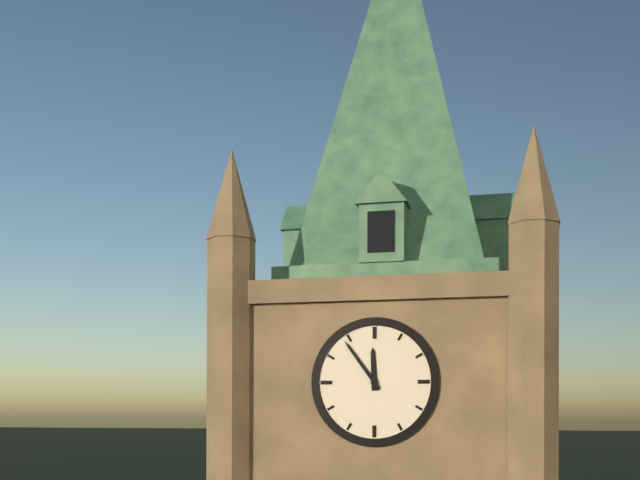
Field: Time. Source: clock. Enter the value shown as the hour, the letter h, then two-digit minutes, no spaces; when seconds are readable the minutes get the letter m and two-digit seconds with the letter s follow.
11h54
